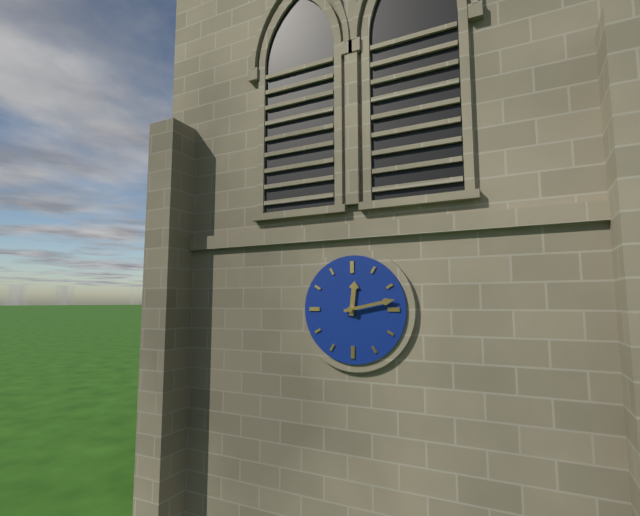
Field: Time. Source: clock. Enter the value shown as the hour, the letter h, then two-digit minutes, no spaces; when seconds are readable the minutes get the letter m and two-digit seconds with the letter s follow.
12h13
